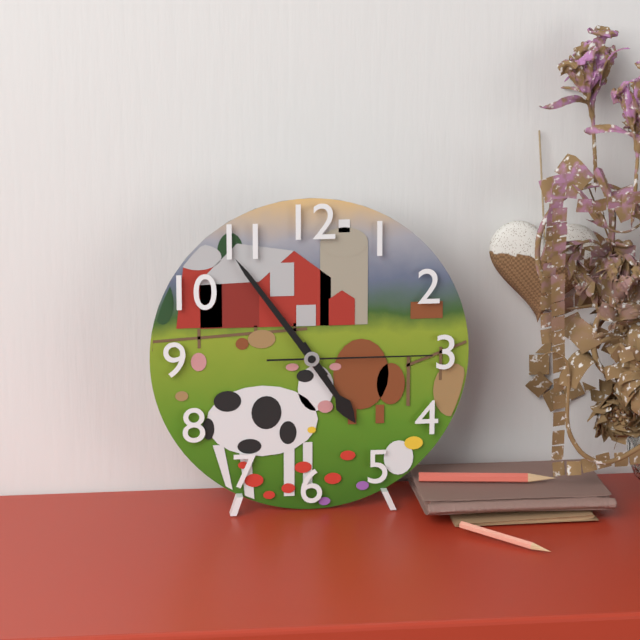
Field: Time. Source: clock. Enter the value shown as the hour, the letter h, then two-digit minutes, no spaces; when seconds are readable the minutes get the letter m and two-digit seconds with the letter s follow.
4h54m15s
